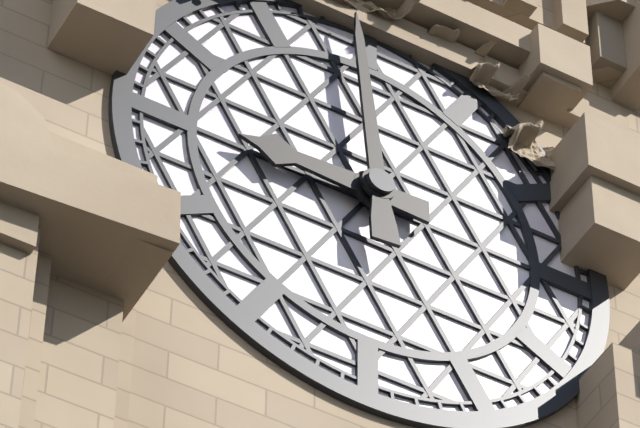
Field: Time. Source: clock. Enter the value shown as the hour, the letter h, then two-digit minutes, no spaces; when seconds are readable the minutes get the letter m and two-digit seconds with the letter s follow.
8h59
